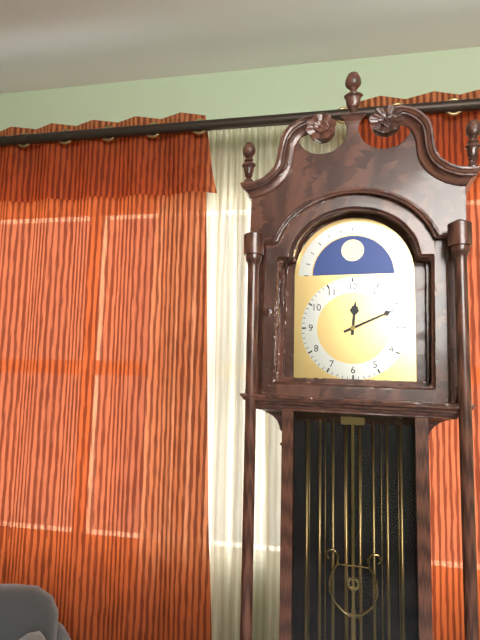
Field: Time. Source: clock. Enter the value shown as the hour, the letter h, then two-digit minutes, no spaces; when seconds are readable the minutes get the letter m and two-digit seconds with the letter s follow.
12h11
